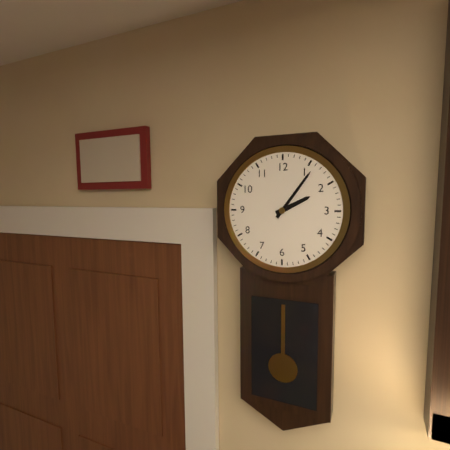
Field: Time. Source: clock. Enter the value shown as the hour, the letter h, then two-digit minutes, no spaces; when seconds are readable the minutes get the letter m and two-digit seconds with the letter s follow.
2h06
